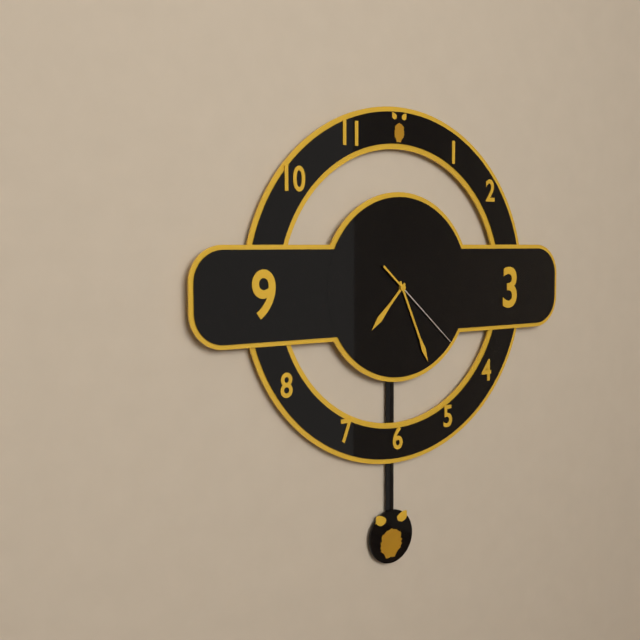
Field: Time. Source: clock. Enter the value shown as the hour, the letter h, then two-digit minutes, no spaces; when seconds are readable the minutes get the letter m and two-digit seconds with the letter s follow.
7h26m22s
